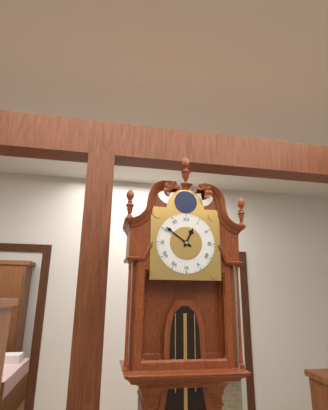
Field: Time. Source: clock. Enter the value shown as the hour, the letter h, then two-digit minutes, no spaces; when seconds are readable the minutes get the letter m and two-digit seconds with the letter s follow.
12h51
